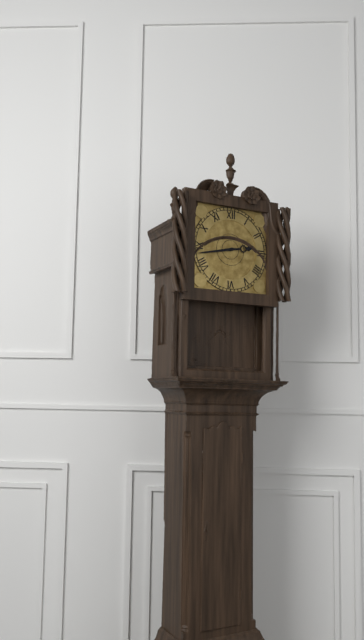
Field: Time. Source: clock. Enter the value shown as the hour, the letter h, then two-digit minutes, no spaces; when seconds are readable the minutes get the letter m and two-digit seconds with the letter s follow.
2h43
